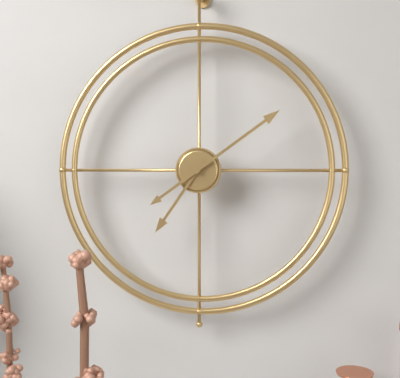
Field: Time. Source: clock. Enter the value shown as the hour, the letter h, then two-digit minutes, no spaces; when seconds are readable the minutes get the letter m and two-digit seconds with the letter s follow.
7h09
